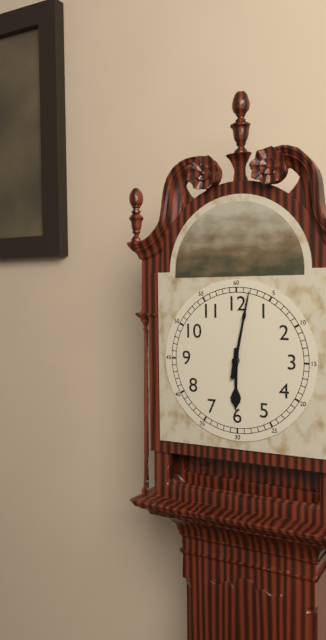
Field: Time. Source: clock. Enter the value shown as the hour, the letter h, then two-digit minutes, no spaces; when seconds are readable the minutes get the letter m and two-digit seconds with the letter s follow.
6h02
